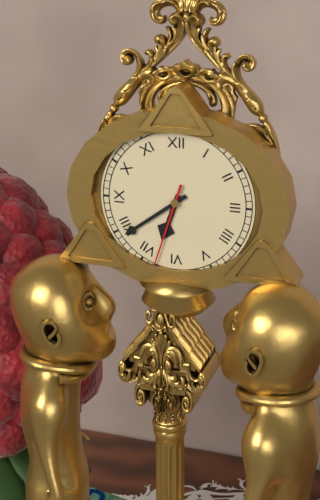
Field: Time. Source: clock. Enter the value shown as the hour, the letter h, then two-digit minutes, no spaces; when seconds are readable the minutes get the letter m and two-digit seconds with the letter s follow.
6h39m33s
